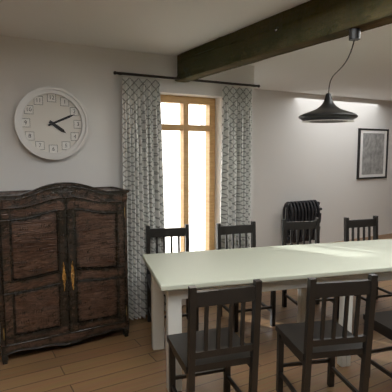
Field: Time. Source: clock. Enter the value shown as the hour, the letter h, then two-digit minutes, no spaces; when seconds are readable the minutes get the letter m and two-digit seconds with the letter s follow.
4h11
